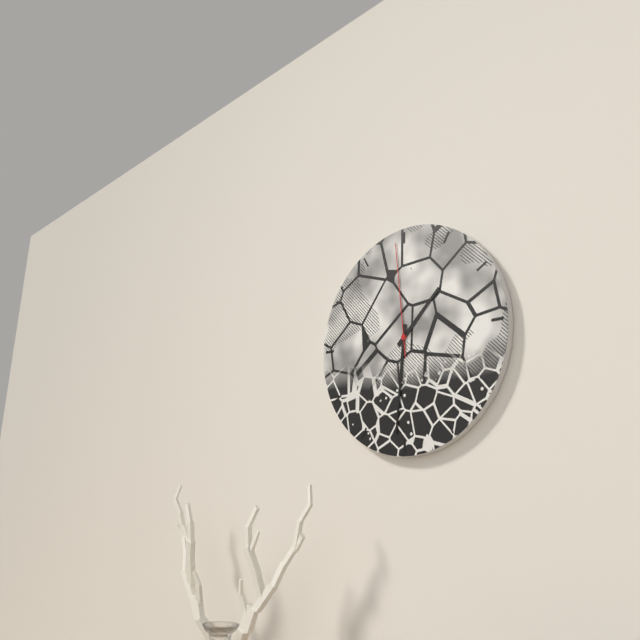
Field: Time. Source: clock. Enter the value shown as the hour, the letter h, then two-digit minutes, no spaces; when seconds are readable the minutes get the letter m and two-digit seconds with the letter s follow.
1h31m59s
